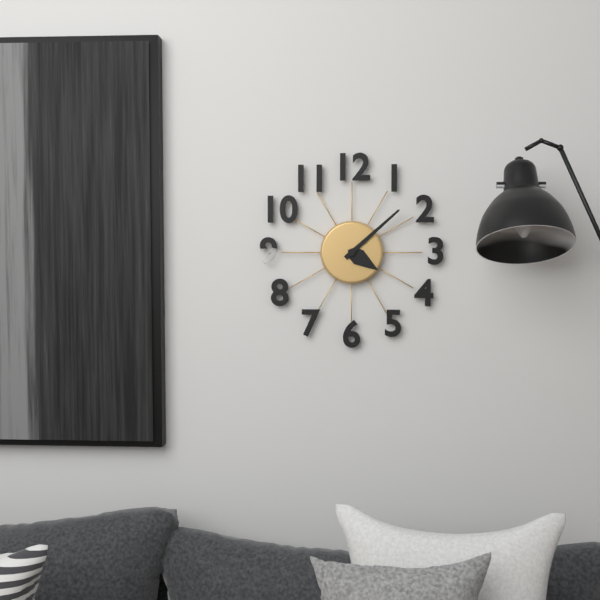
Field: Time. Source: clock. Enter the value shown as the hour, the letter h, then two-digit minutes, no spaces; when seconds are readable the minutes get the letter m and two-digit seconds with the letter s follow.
4h08
